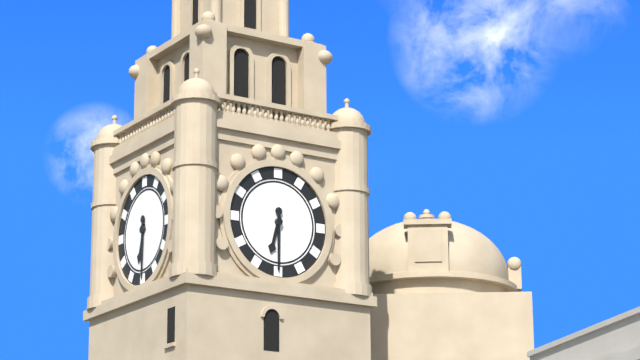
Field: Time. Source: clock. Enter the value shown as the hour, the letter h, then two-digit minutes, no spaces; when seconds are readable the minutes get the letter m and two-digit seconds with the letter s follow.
6h30
